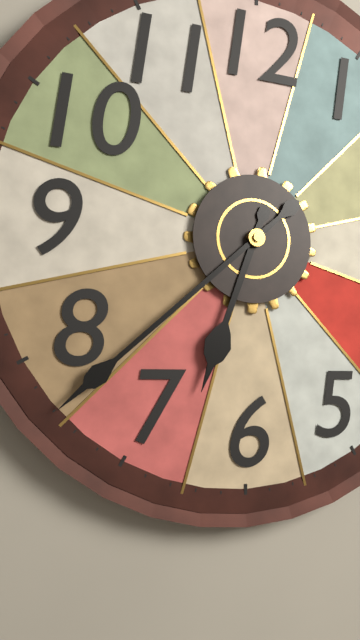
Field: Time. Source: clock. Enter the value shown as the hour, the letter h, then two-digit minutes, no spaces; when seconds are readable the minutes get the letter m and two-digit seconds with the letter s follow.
6h38
